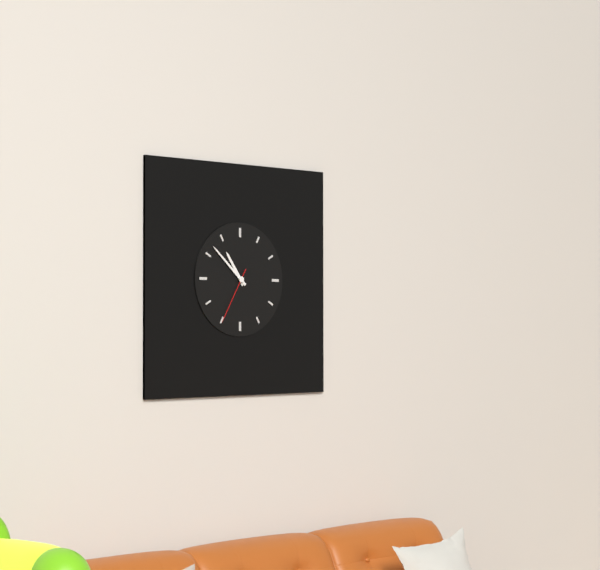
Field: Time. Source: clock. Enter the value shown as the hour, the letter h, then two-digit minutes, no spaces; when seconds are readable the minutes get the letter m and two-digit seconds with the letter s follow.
10h52m35s
